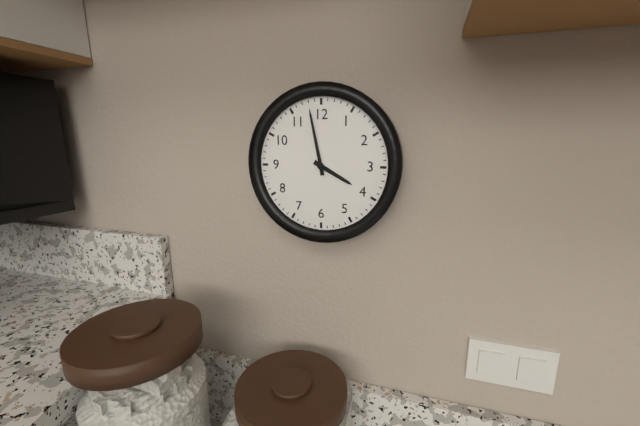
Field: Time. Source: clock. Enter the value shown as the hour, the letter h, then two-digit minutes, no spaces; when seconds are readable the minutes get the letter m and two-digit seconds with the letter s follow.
3h58
